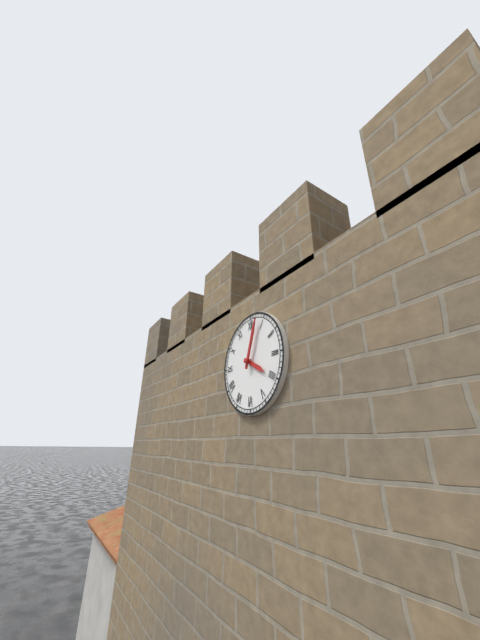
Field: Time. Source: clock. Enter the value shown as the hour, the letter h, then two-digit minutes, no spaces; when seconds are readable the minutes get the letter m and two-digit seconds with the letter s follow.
4h03
